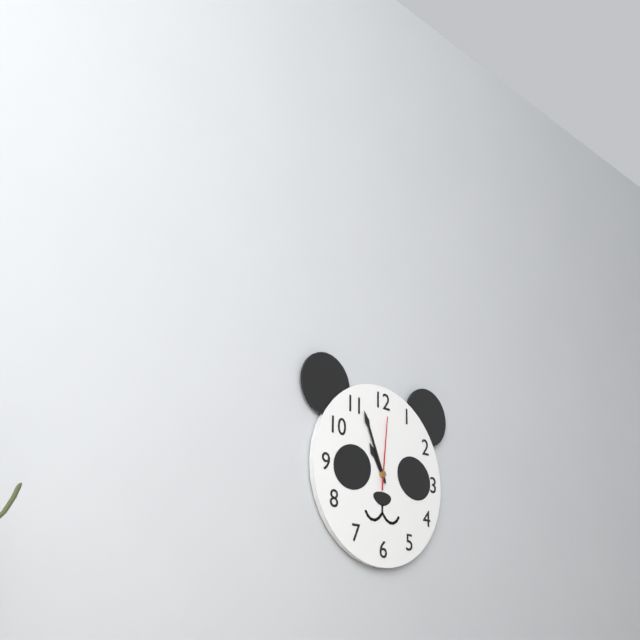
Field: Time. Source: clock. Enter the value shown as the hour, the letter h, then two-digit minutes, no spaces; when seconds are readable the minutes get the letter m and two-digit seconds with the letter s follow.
10h56m01s
